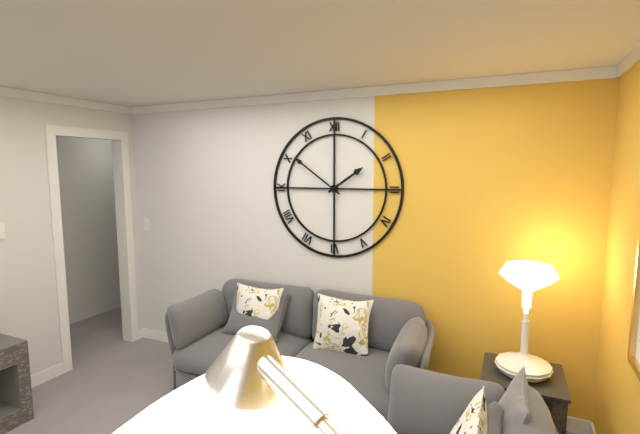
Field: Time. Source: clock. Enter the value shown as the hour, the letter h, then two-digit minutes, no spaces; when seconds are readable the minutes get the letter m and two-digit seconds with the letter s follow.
1h51
